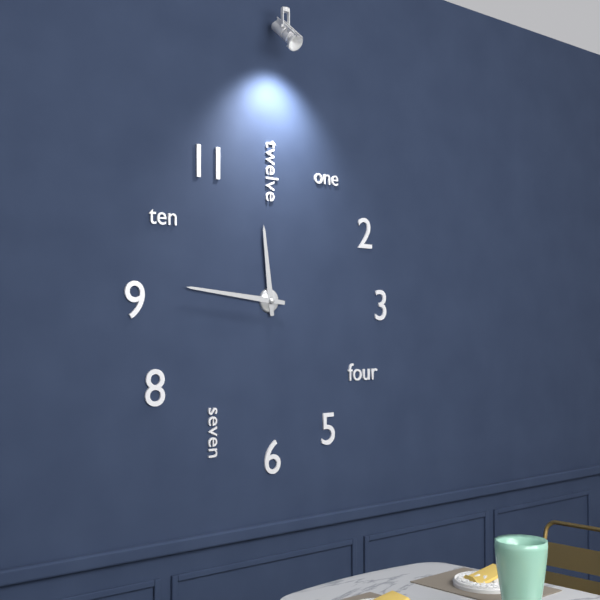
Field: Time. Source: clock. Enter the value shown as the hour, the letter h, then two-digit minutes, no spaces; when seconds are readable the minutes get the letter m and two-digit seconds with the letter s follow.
11h46
